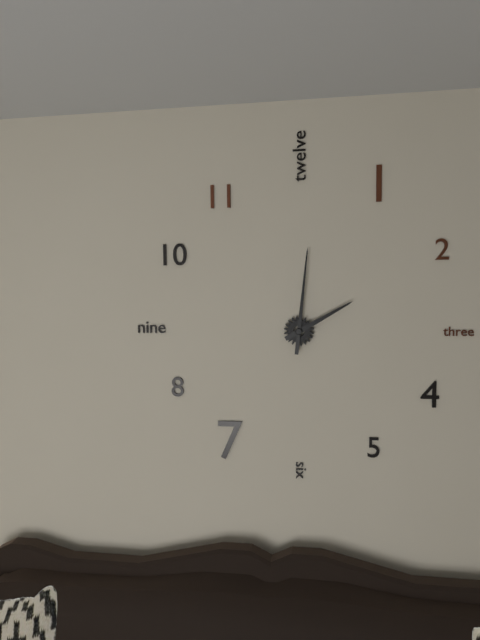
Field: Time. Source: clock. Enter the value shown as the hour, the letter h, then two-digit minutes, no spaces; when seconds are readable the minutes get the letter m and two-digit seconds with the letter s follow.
2h01
